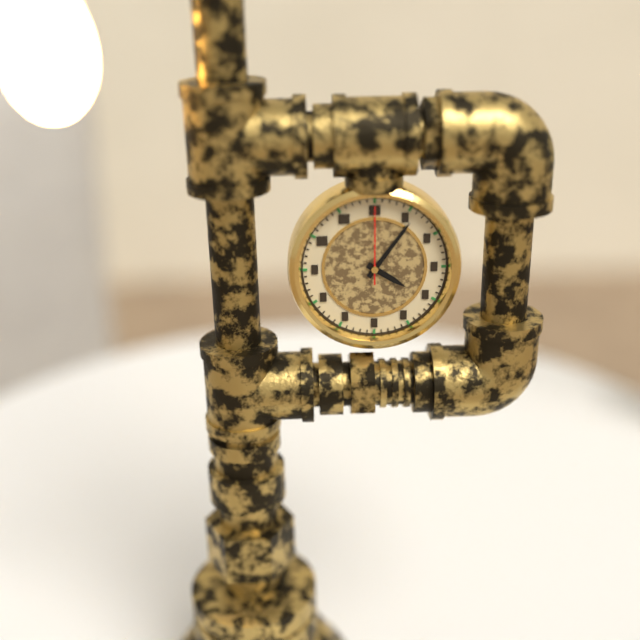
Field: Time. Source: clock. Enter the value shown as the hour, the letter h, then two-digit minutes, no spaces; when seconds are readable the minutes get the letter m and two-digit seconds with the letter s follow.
4h06m00s
